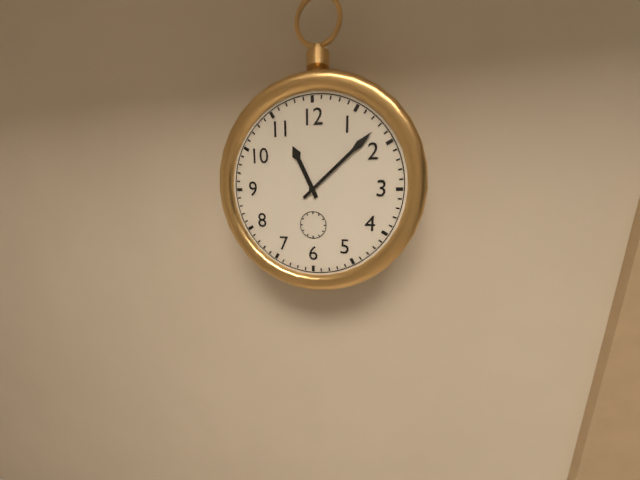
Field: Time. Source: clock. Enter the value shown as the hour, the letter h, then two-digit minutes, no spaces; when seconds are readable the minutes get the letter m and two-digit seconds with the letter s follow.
11h08
